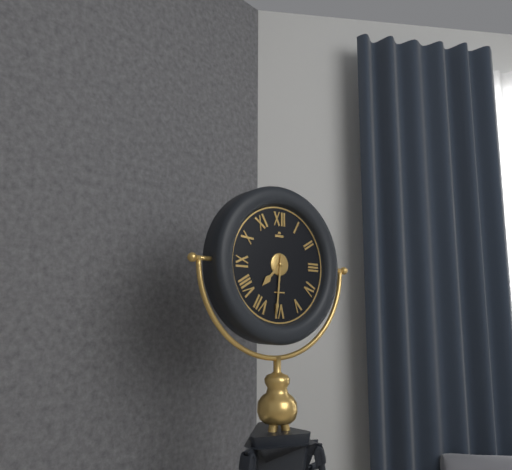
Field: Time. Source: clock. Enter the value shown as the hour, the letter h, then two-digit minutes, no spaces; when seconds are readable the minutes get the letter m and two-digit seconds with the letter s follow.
7h31
